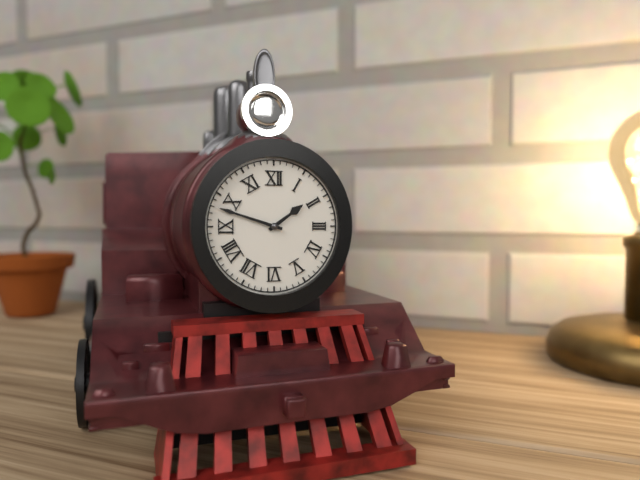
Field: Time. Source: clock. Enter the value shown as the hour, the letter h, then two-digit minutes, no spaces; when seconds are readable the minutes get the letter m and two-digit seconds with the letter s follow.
1h48
